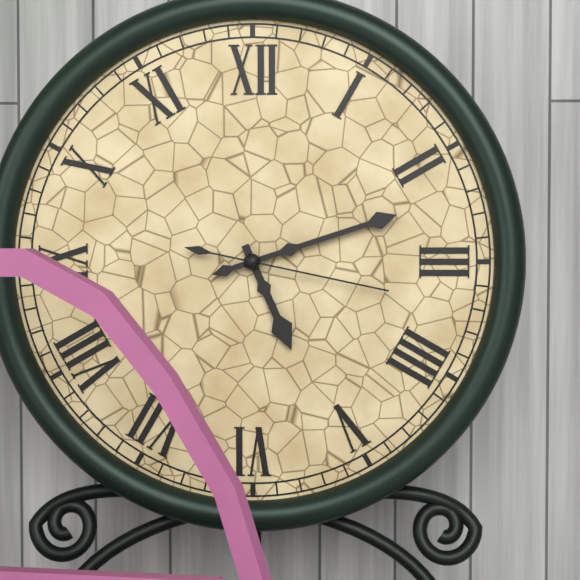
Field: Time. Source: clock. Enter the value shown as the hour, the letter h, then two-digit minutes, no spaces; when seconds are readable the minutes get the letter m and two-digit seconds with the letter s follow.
5h12m17s
